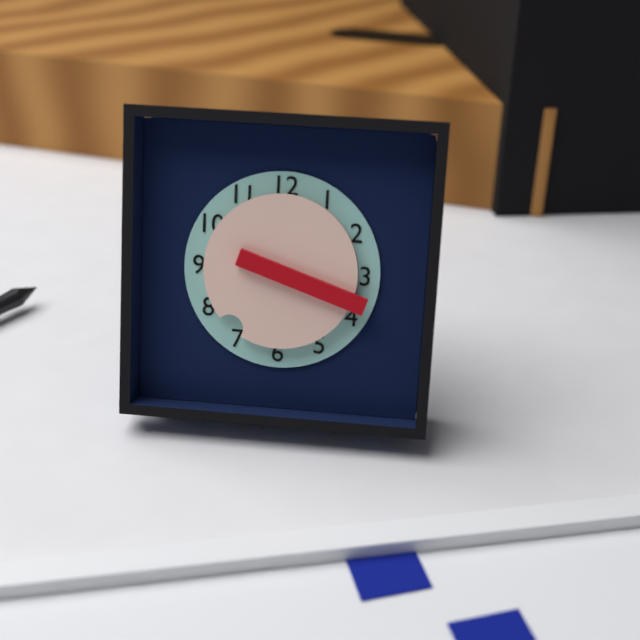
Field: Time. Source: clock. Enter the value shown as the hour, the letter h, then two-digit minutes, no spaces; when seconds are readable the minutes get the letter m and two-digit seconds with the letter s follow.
7h18
